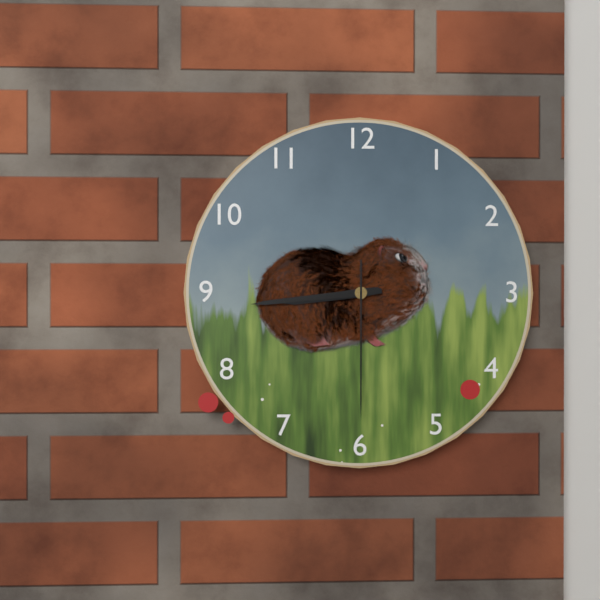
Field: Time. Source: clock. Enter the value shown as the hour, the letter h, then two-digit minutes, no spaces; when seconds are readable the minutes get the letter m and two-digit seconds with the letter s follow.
8h44m30s
